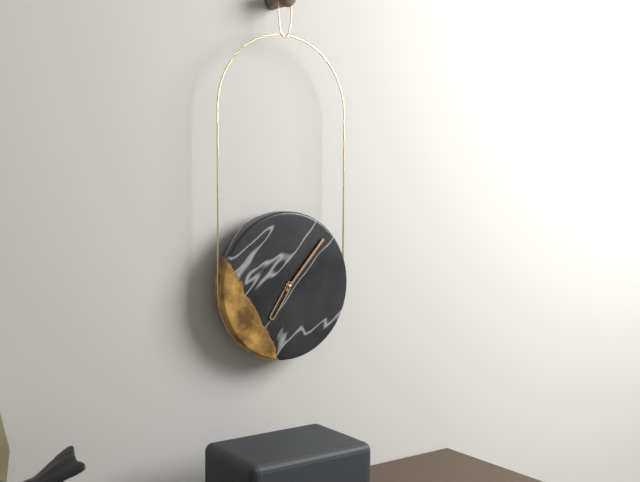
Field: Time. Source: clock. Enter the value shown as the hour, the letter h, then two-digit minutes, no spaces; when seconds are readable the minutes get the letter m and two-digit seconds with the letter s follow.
7h07
